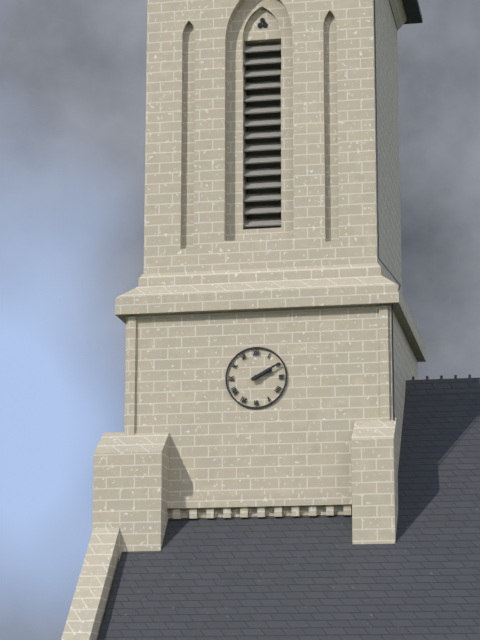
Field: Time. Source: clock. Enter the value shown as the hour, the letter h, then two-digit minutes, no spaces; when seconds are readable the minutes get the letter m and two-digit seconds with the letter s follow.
2h10
